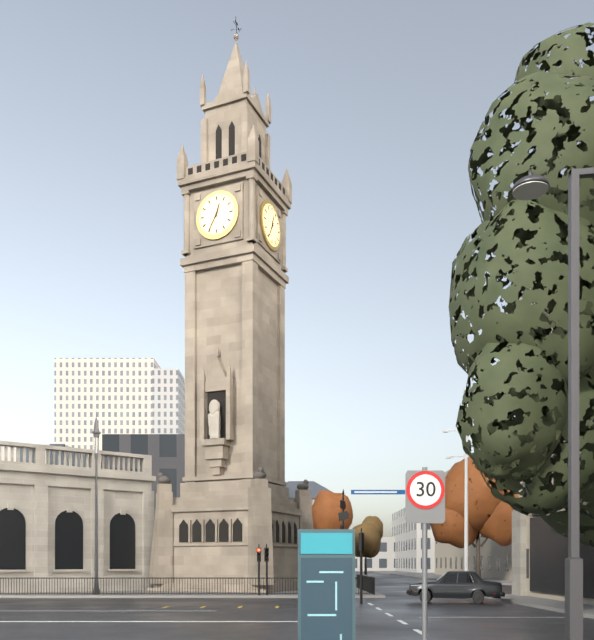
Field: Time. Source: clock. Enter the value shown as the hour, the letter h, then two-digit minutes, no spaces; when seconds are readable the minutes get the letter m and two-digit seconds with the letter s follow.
12h35
